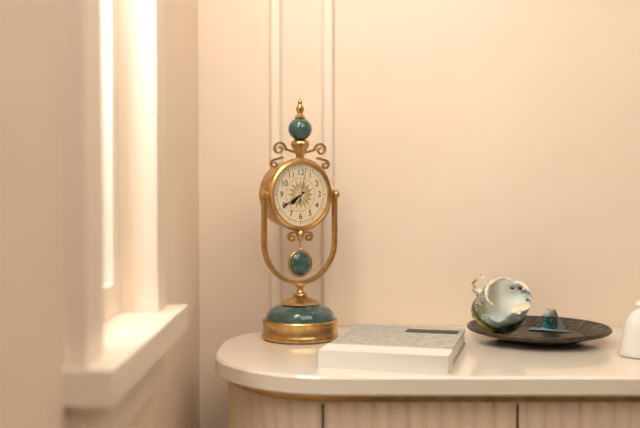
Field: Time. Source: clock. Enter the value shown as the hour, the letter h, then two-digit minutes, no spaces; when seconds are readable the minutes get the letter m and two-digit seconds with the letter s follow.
7h40
